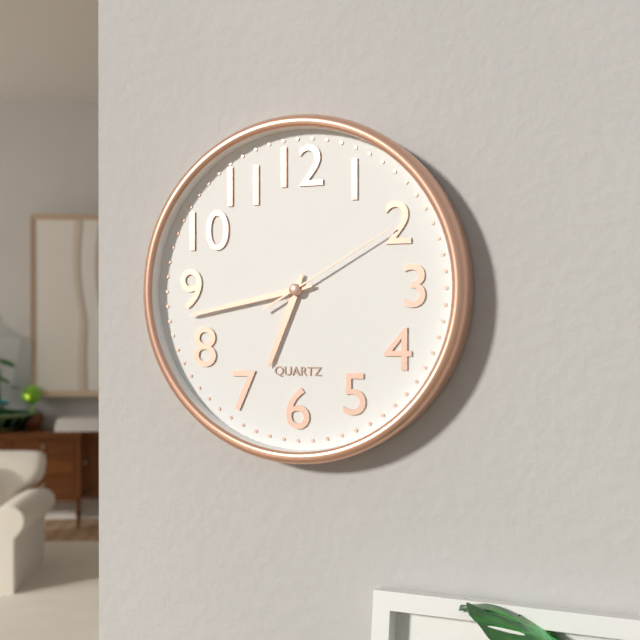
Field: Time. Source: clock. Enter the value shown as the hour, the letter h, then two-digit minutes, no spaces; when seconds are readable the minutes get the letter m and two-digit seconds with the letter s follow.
6h43m10s
